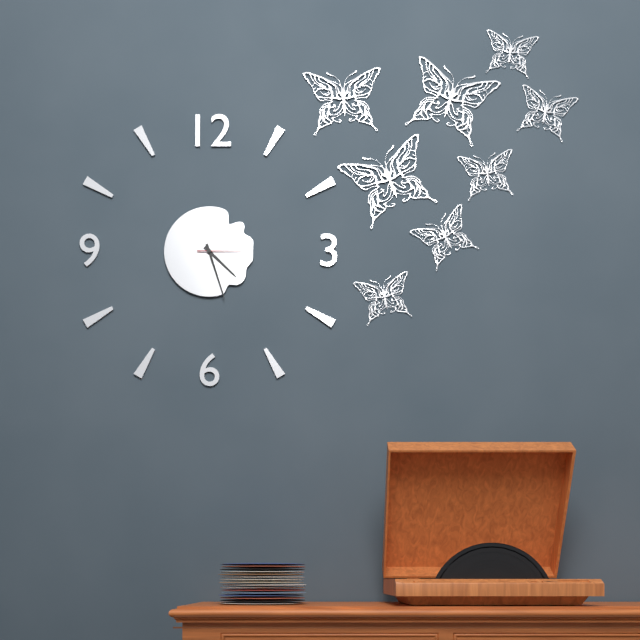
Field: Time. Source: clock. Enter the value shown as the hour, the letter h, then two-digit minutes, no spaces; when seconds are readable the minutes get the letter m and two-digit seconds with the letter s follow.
4h27m15s
